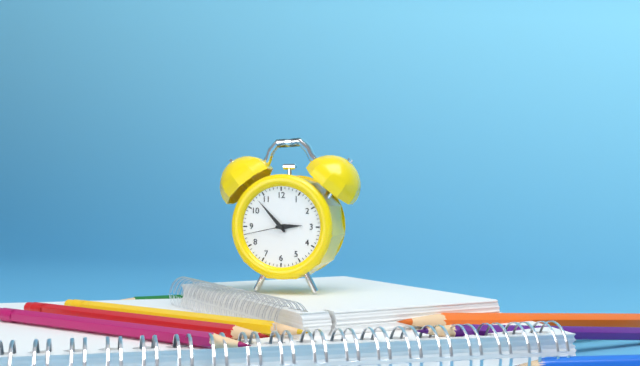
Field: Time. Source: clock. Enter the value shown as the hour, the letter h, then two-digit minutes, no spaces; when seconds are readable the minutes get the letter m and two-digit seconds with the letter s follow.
2h53
